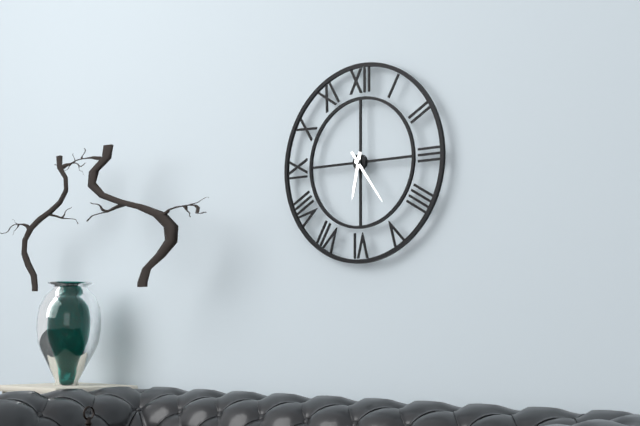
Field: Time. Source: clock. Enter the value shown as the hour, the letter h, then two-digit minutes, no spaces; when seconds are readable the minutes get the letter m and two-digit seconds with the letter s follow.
6h24
